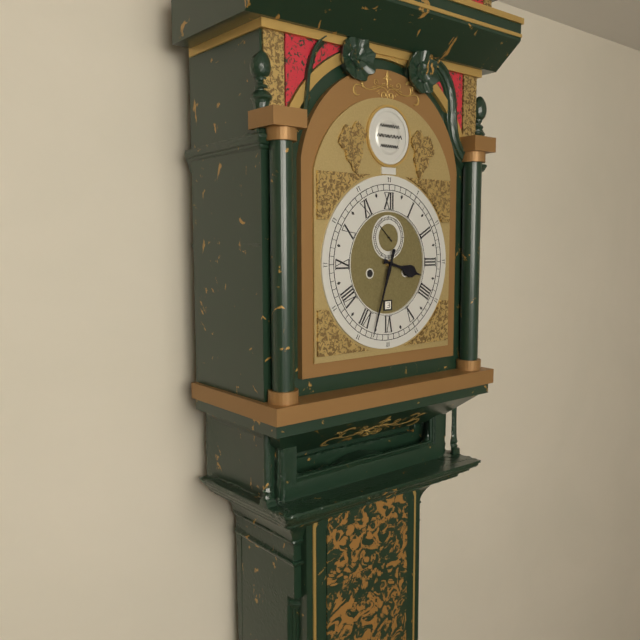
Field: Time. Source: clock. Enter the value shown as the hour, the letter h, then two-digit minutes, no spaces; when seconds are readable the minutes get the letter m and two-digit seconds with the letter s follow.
3h33
